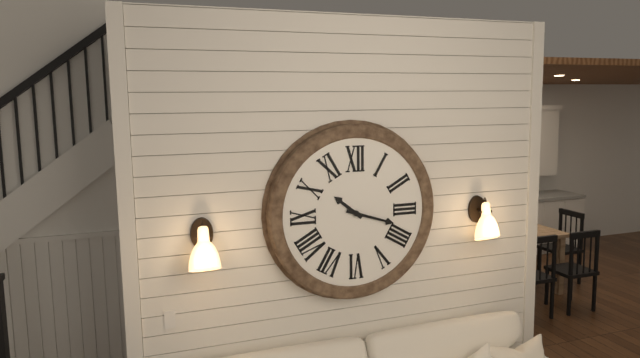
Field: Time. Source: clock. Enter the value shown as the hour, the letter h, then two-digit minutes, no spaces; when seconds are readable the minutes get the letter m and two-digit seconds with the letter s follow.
10h18
